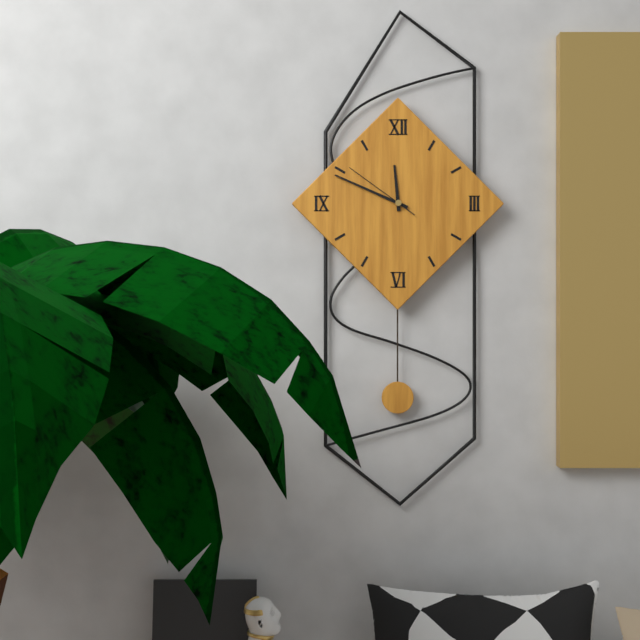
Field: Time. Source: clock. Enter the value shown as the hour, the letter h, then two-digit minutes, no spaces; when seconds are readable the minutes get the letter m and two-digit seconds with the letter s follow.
11h49m51s
